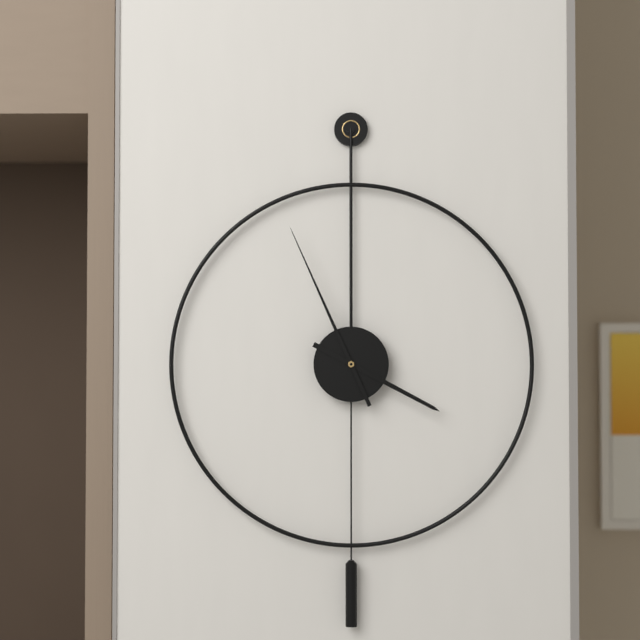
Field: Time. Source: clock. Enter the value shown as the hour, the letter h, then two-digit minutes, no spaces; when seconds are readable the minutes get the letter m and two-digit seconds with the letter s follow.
3h56
